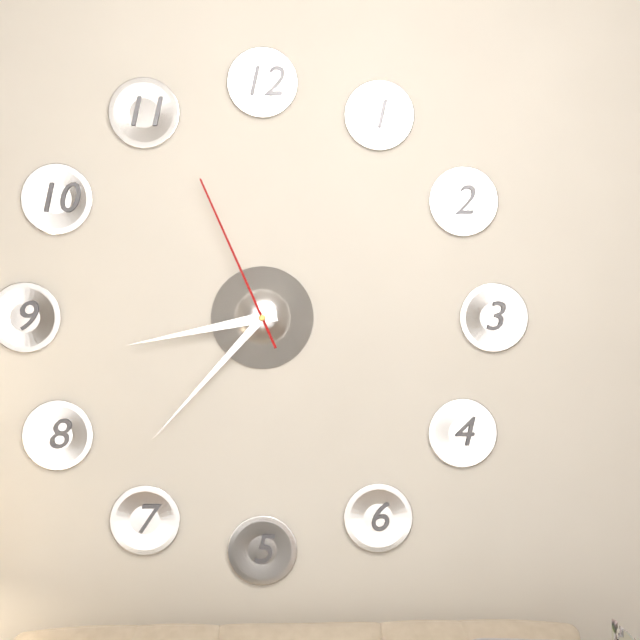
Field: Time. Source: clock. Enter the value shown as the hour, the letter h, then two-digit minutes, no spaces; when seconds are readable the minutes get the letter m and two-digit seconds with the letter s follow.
8h37m56s
